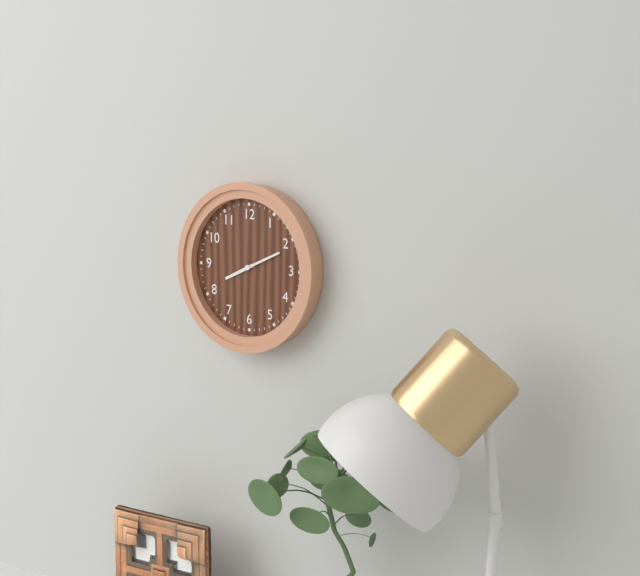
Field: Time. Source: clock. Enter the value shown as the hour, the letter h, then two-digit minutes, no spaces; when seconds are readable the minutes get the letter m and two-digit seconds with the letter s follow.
8h11
